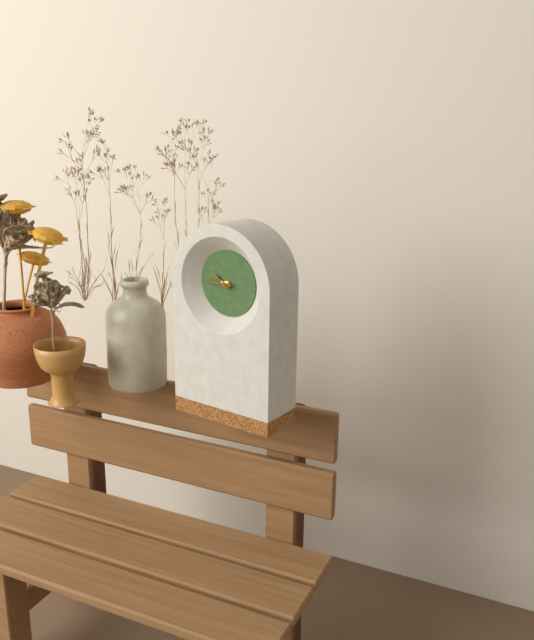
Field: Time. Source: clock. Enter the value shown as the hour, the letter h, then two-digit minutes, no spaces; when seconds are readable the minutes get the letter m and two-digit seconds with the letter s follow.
9h45
